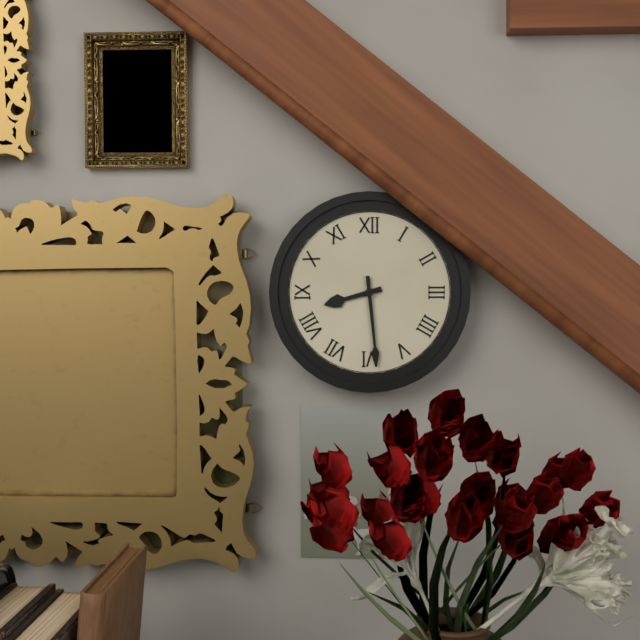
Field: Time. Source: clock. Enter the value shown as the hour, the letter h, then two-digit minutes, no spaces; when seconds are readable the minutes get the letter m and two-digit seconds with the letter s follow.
8h29
